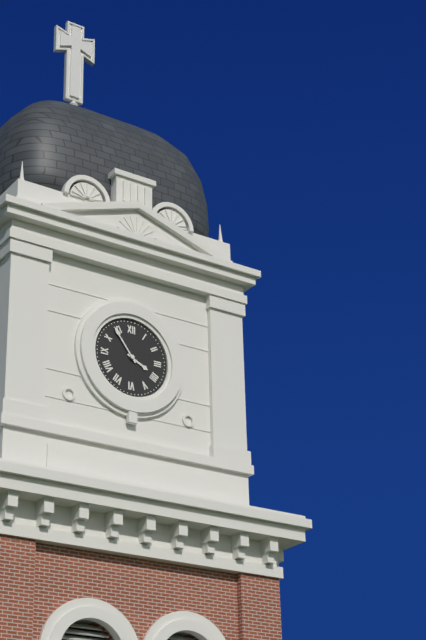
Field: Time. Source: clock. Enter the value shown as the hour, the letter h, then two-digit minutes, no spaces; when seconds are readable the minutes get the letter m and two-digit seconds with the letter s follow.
3h54
